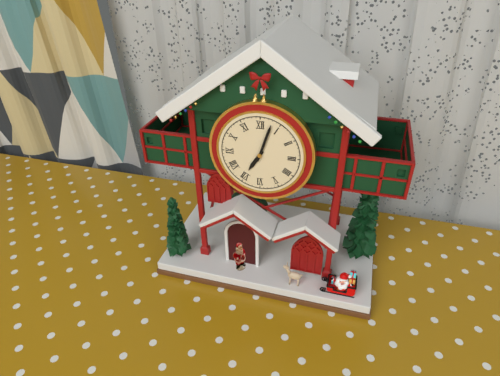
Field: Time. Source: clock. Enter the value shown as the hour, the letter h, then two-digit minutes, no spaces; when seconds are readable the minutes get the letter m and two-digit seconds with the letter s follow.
7h03
